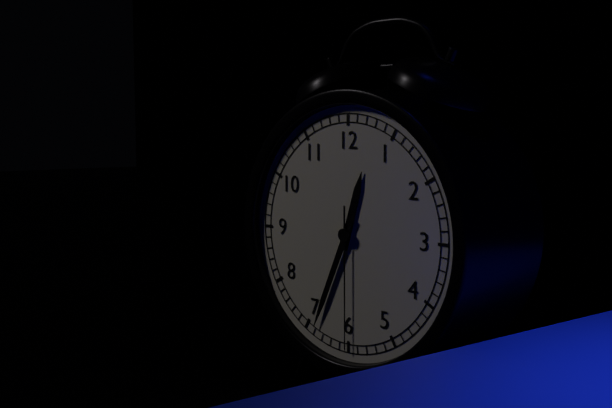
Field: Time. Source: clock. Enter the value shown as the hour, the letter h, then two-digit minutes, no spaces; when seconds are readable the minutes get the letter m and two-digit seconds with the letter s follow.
12h34m30s
